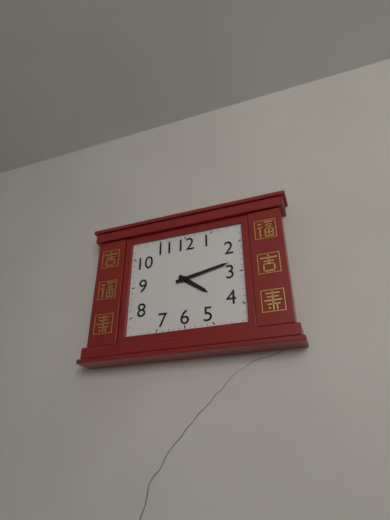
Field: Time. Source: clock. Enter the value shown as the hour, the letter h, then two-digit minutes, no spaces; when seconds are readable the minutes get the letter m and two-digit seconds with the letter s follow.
4h13
